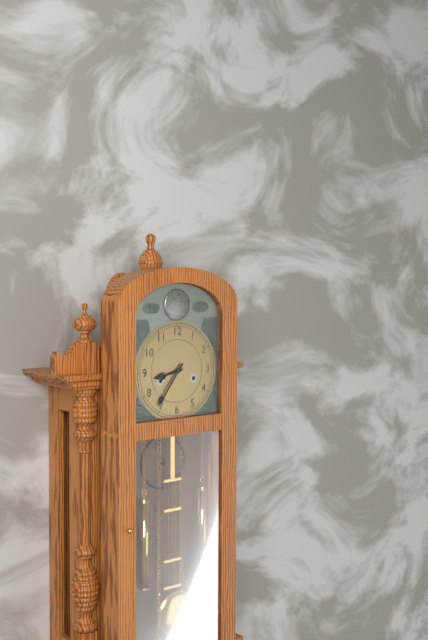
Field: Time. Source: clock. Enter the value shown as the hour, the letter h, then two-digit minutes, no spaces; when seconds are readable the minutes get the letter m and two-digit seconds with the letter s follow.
8h36
